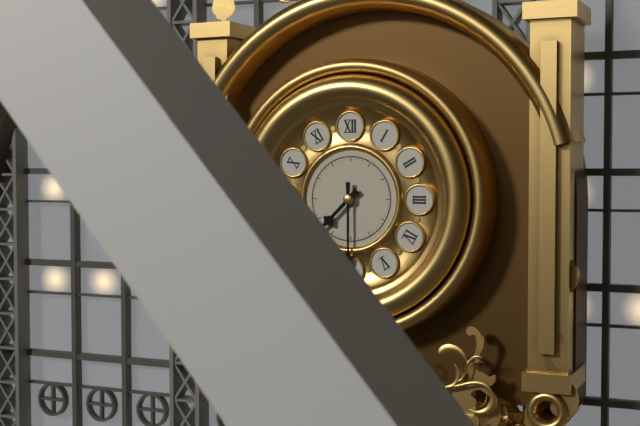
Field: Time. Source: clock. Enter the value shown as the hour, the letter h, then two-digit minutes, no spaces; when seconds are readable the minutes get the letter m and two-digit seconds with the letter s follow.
7h30
